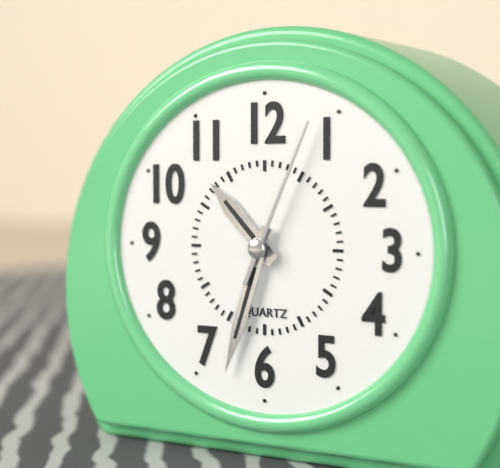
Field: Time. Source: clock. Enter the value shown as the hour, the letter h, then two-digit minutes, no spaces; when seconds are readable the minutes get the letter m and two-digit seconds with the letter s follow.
10h33m04s
